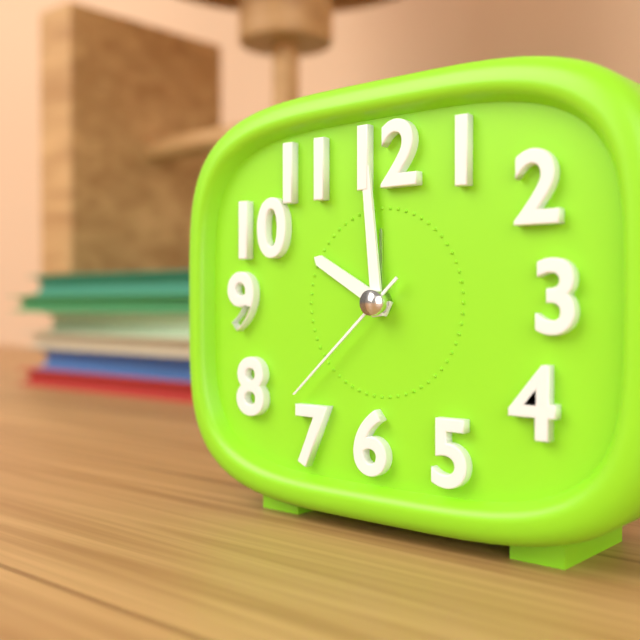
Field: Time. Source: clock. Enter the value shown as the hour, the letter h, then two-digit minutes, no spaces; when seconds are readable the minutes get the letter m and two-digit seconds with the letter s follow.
9h59m38s
